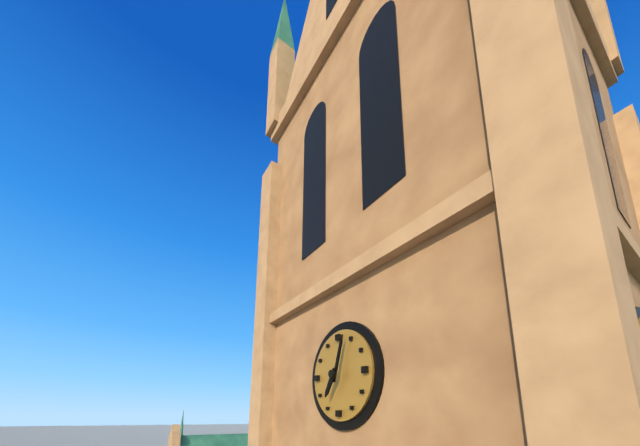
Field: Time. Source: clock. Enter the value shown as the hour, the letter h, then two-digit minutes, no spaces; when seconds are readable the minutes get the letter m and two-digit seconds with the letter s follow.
7h03
